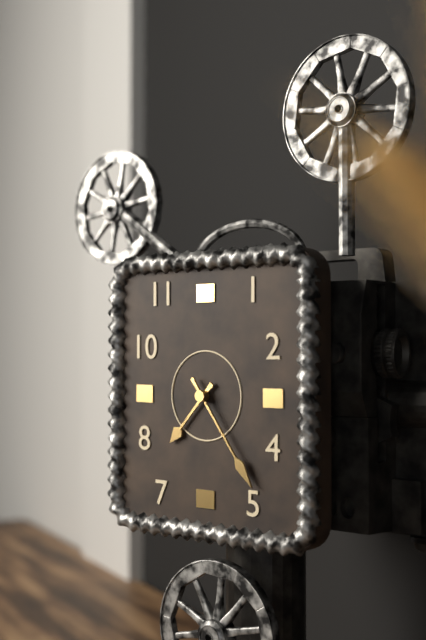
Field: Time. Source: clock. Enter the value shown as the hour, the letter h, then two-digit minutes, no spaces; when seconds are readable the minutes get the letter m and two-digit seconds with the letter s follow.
7h24
